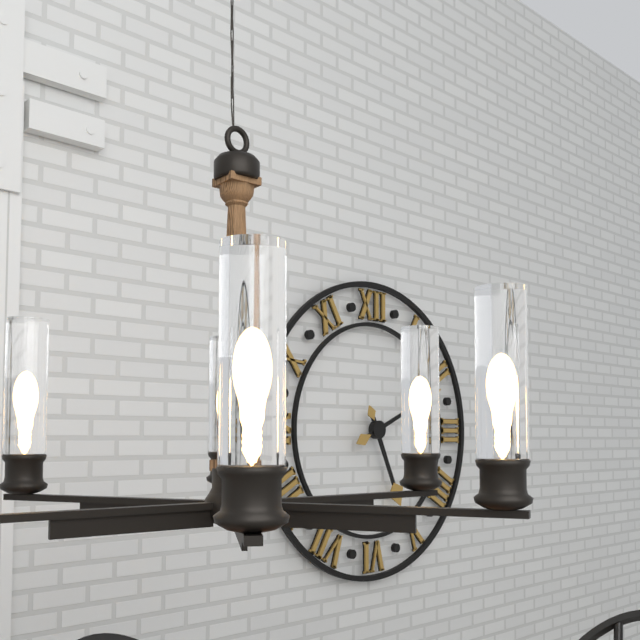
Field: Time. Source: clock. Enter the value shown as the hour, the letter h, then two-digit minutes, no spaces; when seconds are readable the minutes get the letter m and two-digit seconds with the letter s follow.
5h11
